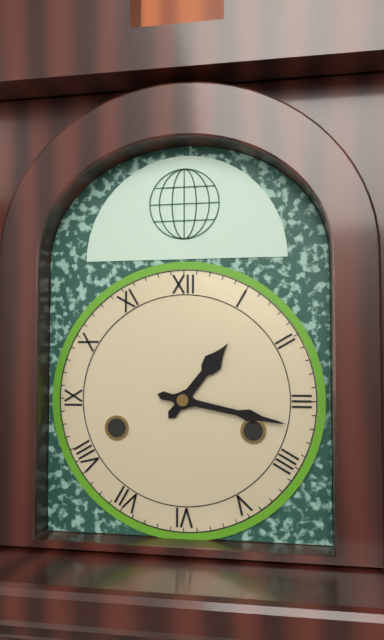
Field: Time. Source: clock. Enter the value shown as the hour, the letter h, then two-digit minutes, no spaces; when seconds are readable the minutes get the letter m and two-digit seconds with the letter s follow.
1h17
